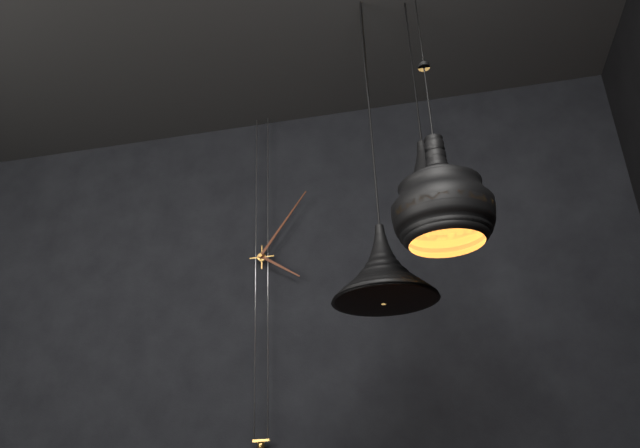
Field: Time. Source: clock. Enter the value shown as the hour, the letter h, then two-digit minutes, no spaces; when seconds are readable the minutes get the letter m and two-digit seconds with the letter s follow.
4h06
